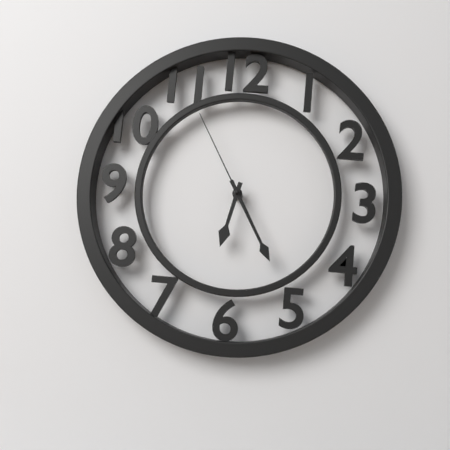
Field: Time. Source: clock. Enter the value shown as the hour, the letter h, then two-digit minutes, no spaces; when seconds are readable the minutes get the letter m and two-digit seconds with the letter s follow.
6h25m55s
